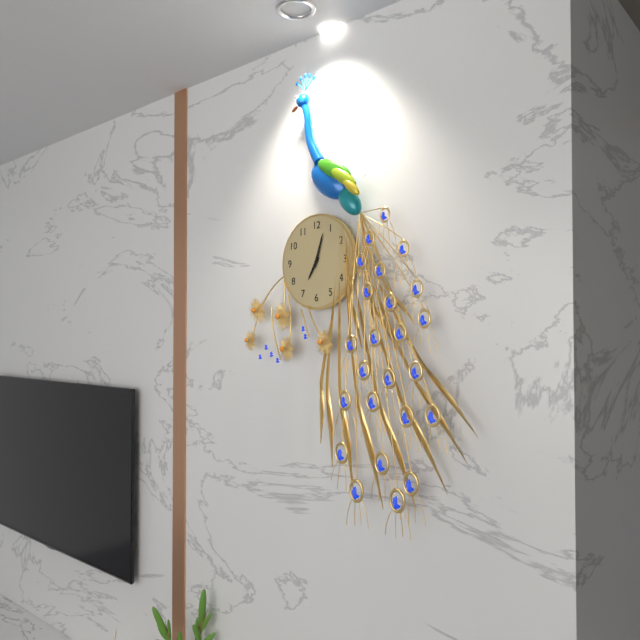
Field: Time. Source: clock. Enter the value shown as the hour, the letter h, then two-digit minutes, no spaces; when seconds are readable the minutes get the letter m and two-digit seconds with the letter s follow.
7h03
